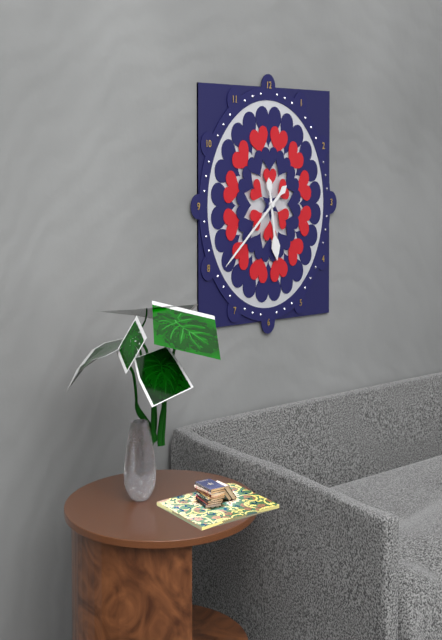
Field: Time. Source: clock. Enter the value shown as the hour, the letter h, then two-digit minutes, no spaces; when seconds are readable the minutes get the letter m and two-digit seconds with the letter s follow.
5h39
